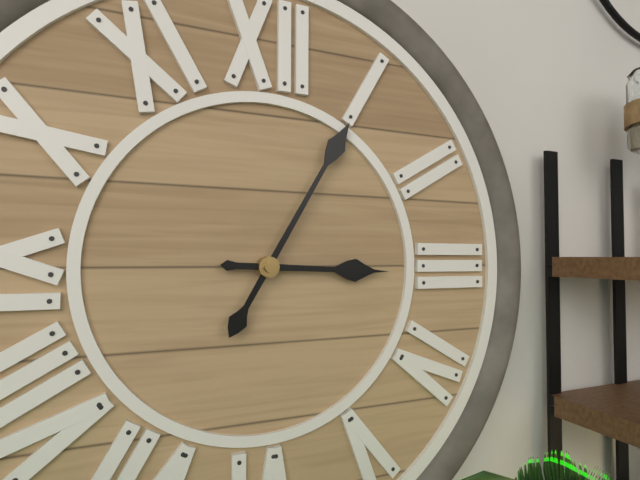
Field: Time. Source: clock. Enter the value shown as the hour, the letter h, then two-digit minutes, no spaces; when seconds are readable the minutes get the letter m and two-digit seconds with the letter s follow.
3h05
